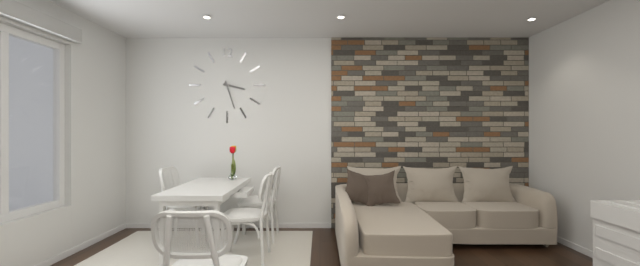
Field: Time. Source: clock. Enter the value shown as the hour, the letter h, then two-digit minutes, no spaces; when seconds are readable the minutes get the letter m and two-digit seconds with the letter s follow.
3h27
